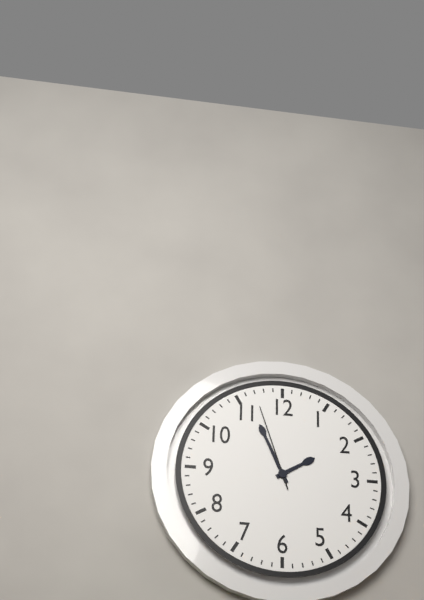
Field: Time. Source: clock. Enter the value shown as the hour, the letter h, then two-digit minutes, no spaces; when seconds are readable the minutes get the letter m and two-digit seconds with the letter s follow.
1h56m57s
